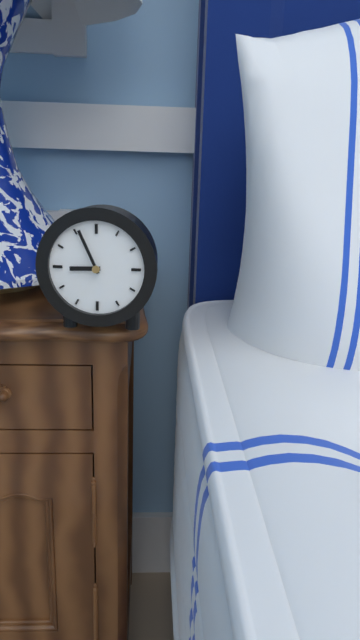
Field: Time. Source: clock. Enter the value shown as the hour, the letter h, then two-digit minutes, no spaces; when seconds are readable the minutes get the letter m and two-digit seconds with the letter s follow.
8h56
